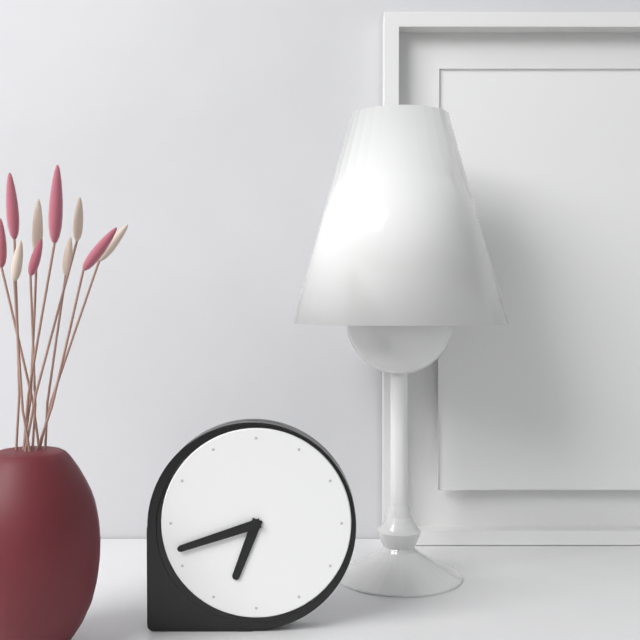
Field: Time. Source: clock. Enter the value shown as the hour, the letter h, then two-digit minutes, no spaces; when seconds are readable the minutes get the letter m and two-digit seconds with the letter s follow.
6h42
